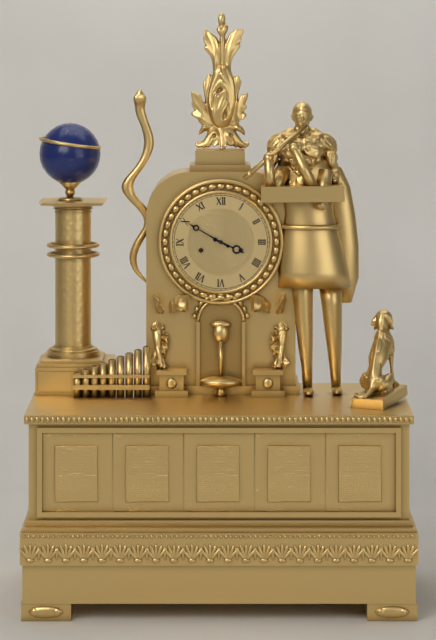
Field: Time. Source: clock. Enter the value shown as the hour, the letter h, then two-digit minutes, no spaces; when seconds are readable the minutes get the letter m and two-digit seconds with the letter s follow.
3h50
